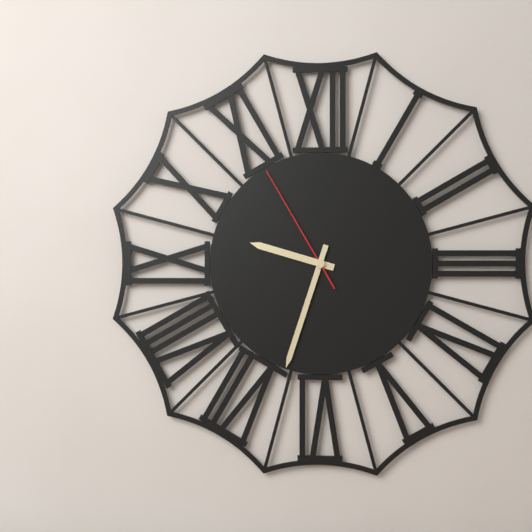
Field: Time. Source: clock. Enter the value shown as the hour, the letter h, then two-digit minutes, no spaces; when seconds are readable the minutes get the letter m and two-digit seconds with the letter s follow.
9h33m55s
